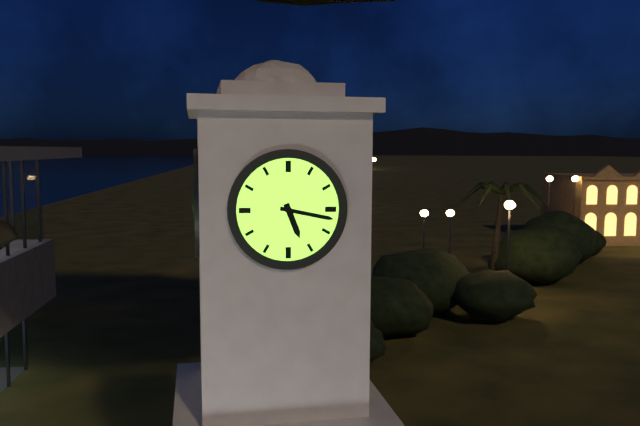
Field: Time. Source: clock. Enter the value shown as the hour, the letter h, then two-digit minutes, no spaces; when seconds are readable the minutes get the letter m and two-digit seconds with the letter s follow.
5h17
